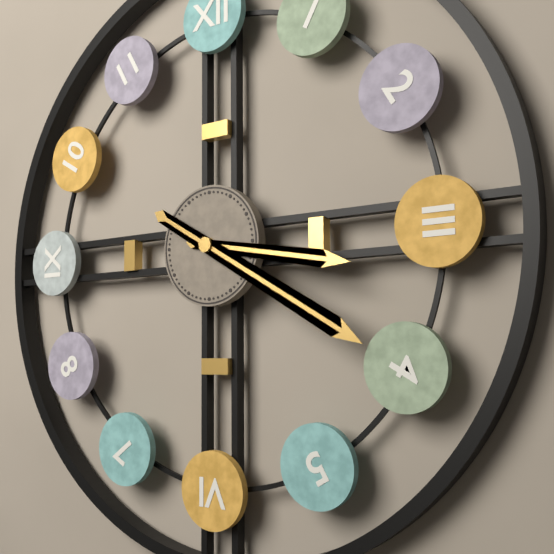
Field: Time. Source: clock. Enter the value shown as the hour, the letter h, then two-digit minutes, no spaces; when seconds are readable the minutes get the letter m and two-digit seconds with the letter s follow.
3h20
